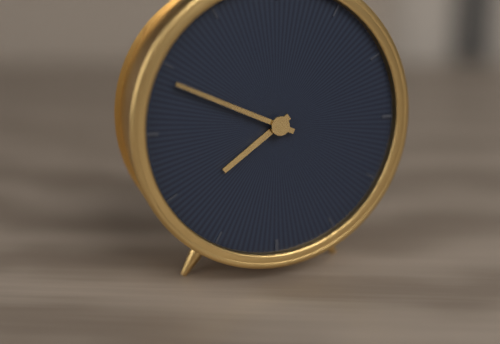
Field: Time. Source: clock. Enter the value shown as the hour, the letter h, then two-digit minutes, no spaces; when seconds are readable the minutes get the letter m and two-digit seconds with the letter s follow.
7h49
